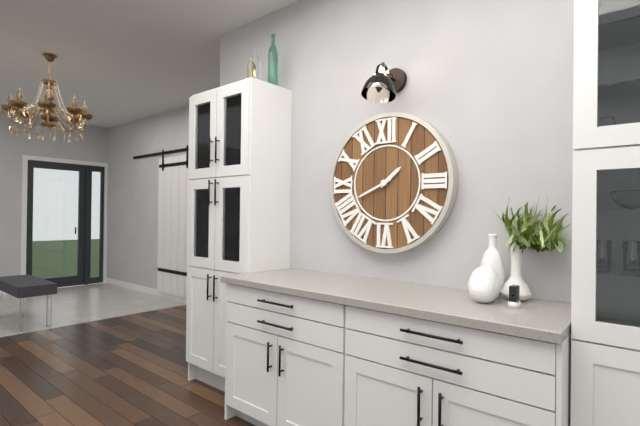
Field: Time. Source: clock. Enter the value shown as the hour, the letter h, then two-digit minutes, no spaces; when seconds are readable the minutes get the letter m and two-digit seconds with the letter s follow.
1h41
